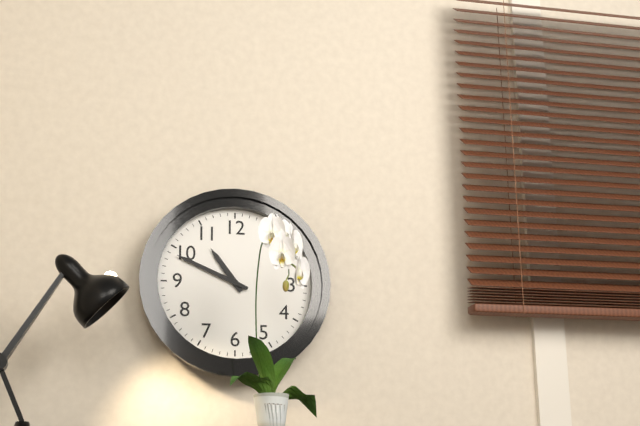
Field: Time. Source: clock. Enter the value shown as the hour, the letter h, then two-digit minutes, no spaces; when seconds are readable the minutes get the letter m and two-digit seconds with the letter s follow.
10h49
